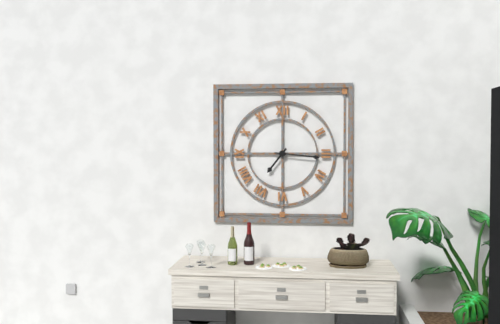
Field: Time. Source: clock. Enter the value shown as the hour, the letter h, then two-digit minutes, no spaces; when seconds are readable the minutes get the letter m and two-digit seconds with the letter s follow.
7h16
